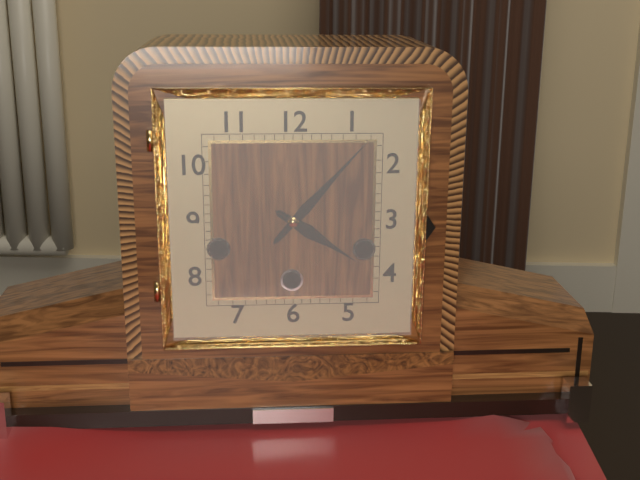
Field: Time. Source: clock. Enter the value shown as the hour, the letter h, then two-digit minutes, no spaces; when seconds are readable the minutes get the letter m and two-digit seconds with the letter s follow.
4h07
